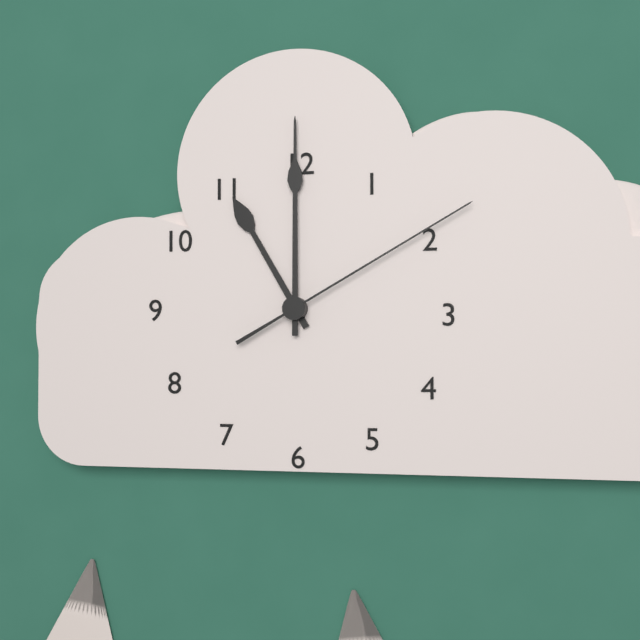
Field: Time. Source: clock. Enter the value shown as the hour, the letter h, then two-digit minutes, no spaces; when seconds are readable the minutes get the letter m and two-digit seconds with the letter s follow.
11h00m10s
